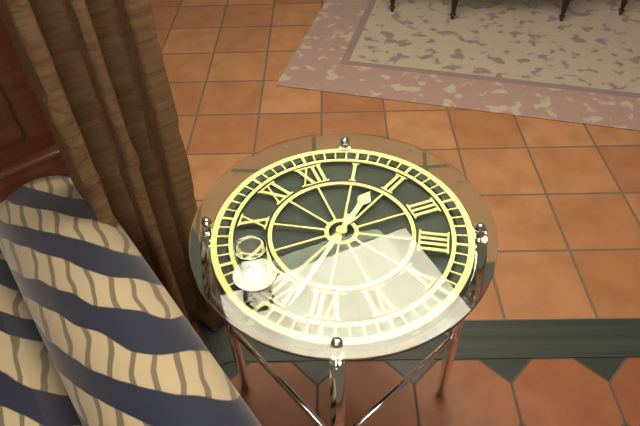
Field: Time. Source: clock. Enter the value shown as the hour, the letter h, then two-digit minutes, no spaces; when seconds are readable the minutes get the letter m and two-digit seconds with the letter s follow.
1h38
